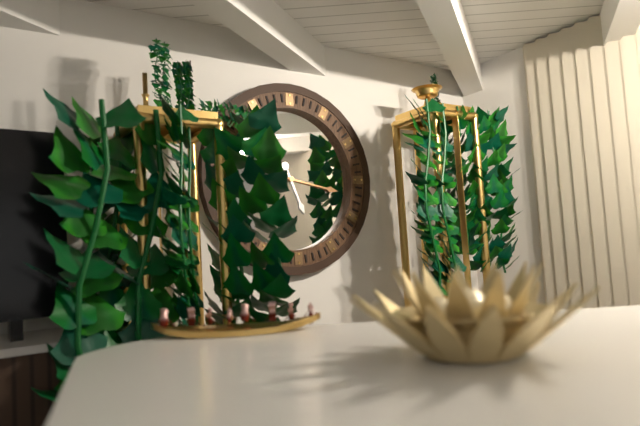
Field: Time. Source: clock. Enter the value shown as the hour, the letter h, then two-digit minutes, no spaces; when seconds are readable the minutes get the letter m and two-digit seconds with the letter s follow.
5h17
